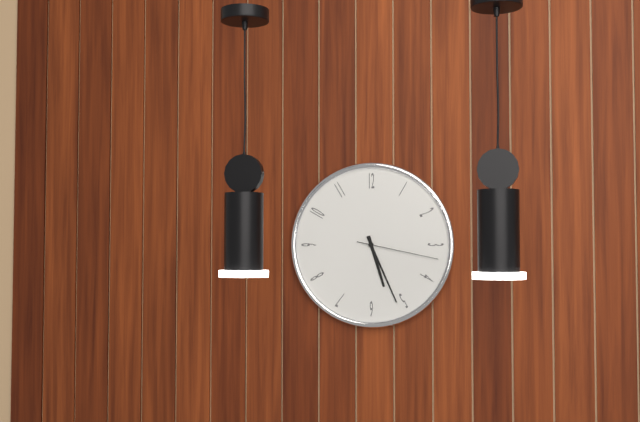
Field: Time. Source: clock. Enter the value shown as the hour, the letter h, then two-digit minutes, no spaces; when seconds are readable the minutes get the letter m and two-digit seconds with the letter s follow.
5h26m17s
